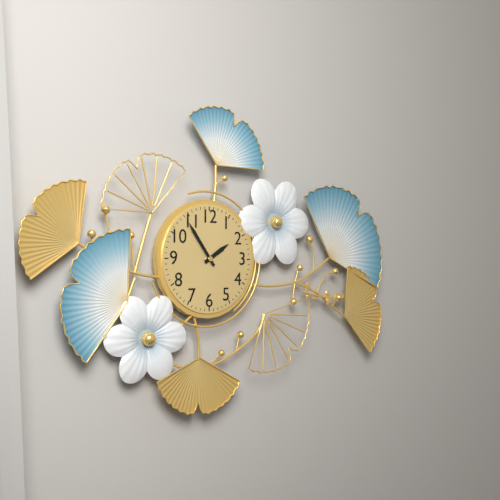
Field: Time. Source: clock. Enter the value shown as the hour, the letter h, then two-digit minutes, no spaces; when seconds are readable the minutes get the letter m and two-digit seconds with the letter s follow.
1h54
